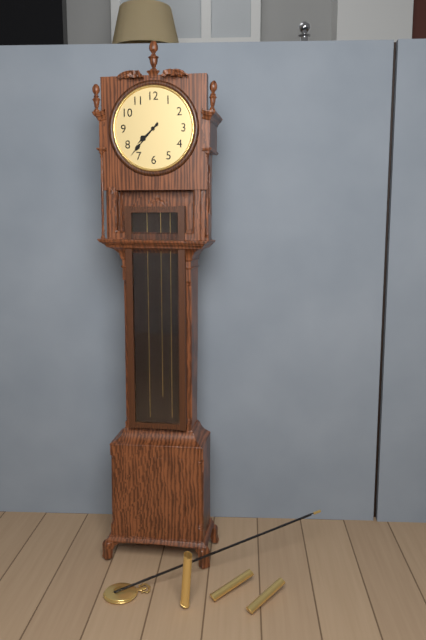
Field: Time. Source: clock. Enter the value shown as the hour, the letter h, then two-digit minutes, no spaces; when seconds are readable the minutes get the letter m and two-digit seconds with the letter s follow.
7h37
